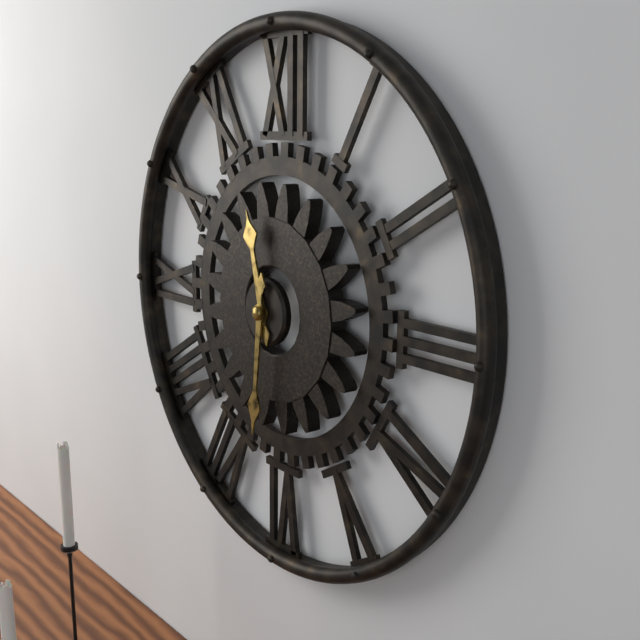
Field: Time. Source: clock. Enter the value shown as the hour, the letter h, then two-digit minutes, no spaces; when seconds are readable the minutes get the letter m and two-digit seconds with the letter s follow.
11h31
